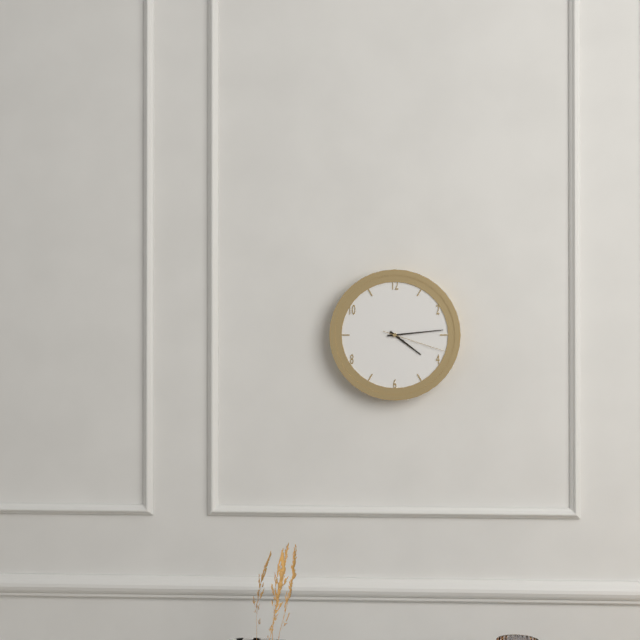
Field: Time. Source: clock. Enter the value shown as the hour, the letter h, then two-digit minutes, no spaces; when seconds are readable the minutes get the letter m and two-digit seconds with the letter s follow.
4h14m18s
